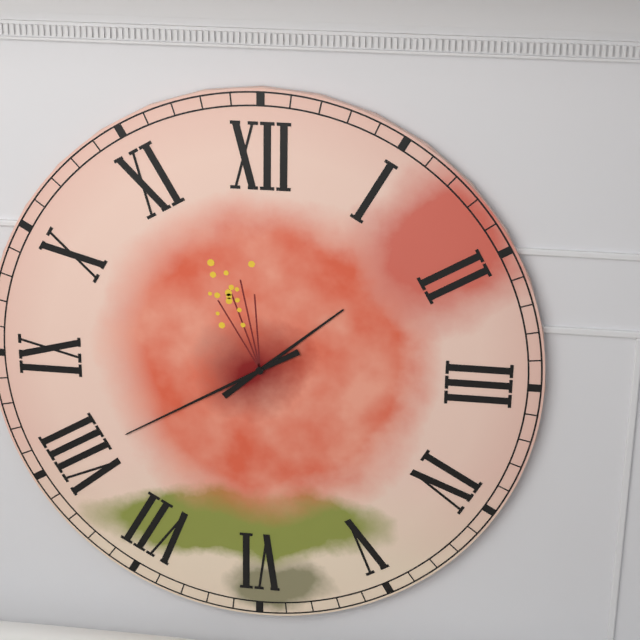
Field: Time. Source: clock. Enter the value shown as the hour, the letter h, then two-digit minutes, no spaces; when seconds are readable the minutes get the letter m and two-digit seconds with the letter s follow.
1h40
